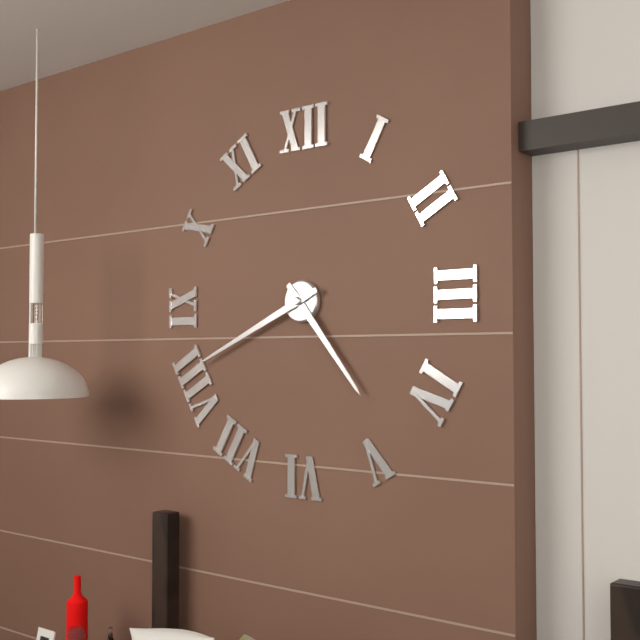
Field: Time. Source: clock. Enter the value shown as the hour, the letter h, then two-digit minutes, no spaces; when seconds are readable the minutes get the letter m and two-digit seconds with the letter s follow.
4h41
